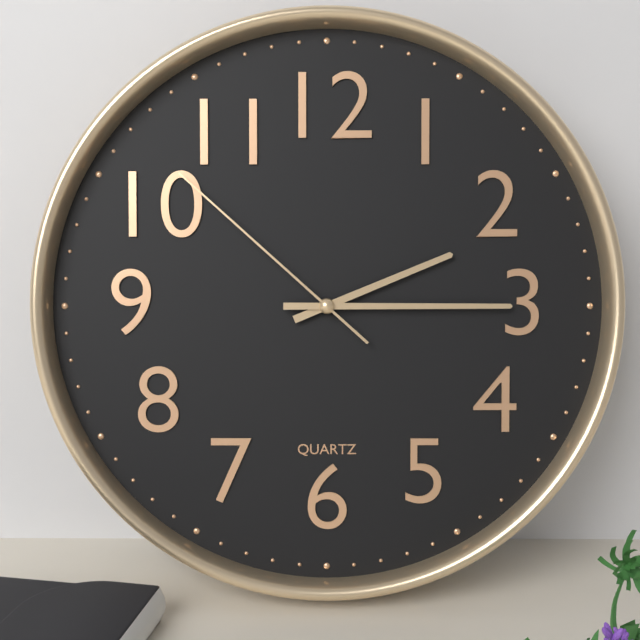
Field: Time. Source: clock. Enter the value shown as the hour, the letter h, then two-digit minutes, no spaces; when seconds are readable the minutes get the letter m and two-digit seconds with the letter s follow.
2h15m52s
